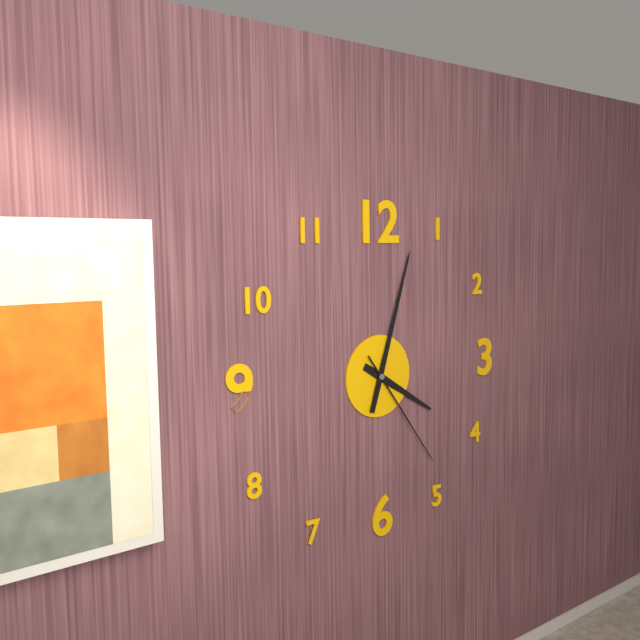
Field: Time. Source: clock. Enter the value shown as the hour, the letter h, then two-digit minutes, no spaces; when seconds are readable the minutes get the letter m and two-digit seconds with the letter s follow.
4h03m24s
